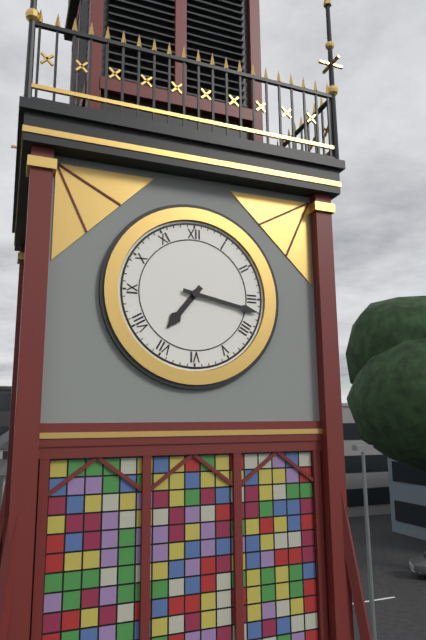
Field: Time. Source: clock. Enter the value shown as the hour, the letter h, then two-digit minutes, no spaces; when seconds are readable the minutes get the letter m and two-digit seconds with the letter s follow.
7h17
